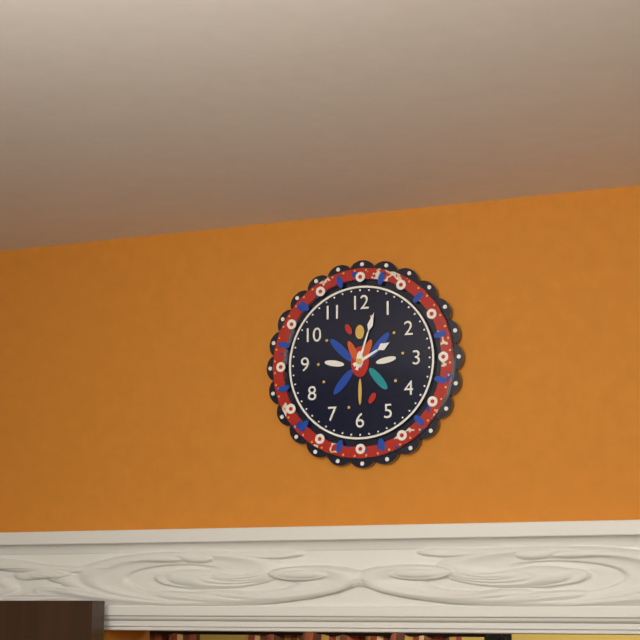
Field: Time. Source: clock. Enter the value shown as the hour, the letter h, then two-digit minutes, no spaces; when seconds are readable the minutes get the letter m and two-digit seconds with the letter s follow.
2h03
